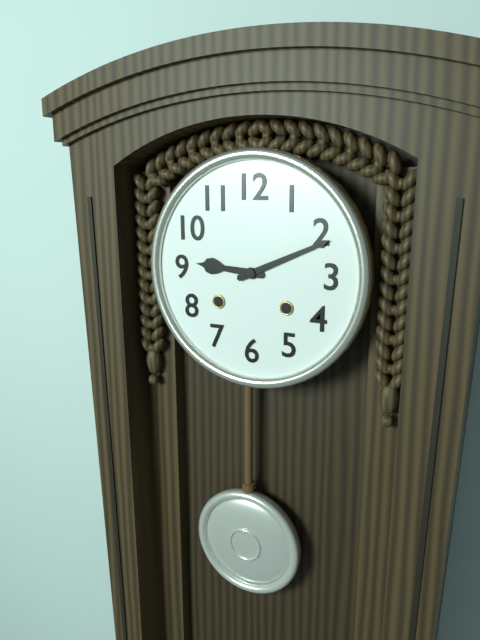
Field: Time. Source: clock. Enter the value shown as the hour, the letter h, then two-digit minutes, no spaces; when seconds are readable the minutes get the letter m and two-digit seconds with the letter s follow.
9h11
